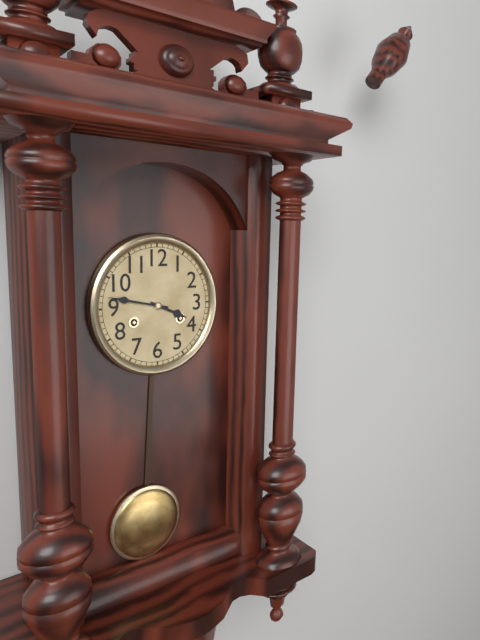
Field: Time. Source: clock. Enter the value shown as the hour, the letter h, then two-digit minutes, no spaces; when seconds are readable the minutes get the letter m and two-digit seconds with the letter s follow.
3h47
